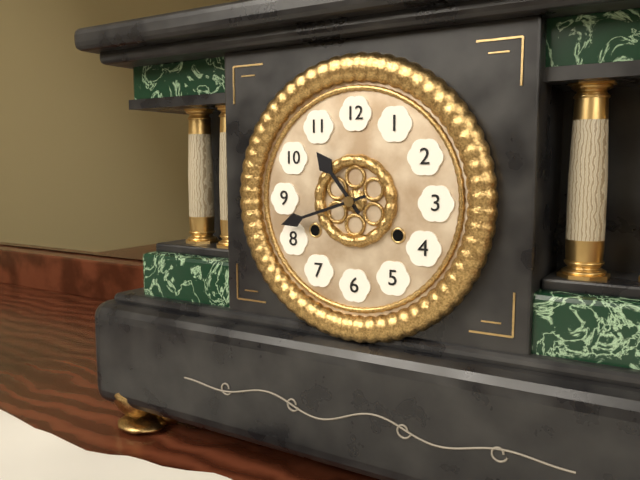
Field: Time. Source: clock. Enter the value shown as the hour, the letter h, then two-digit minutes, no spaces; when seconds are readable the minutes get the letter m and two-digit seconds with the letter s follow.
10h42
